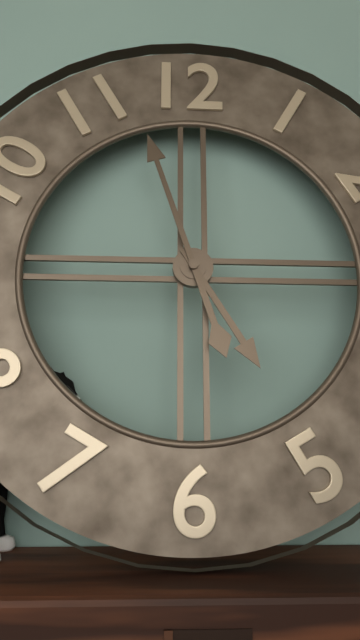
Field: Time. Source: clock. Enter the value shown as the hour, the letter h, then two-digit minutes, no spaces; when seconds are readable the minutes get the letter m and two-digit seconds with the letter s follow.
4h57
